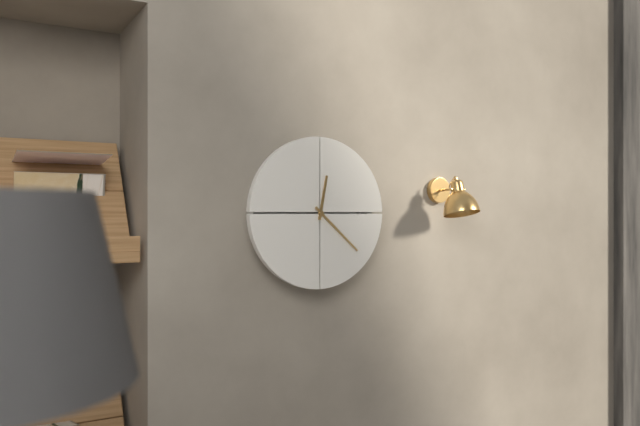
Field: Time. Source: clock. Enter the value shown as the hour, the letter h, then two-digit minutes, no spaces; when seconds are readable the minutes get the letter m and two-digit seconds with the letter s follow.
12h22
